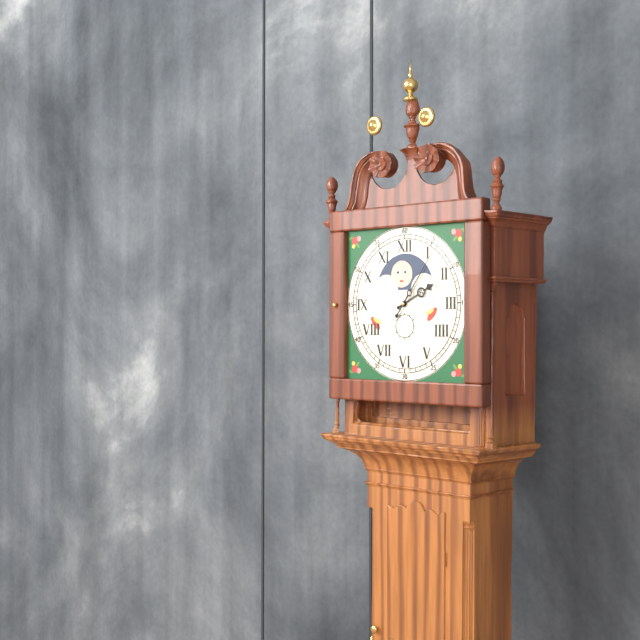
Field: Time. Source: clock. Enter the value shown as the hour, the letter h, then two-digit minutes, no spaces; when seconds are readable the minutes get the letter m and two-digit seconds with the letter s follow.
2h06
